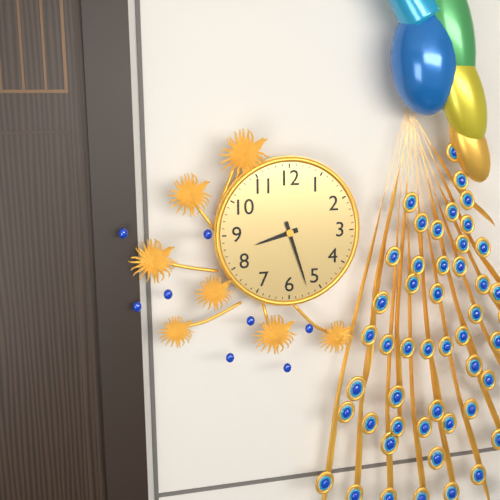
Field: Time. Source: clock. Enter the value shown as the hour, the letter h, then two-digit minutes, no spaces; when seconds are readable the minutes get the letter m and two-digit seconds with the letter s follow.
8h27
